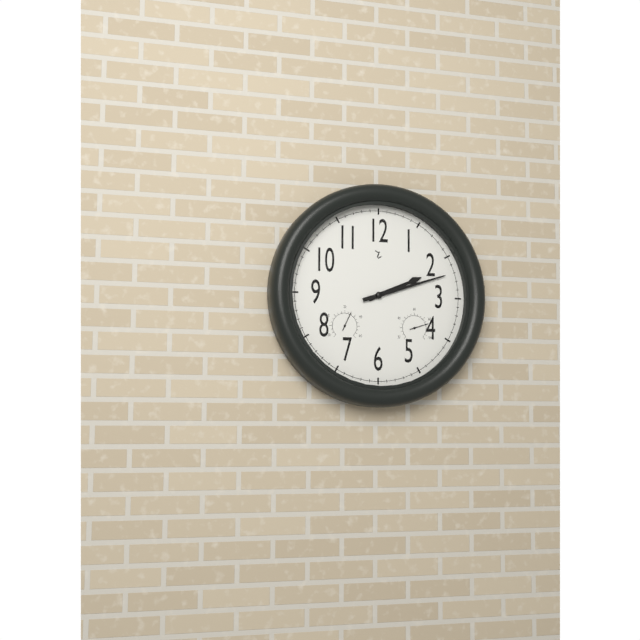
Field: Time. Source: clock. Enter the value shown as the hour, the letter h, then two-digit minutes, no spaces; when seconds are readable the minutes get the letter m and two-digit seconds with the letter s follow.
2h12
